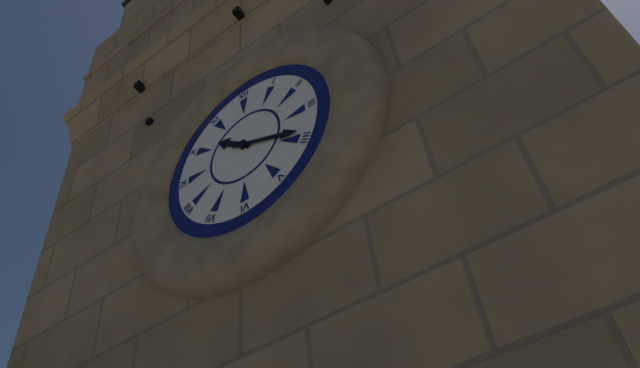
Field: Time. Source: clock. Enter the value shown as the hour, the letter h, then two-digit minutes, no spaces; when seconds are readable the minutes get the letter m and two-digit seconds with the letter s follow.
10h19
